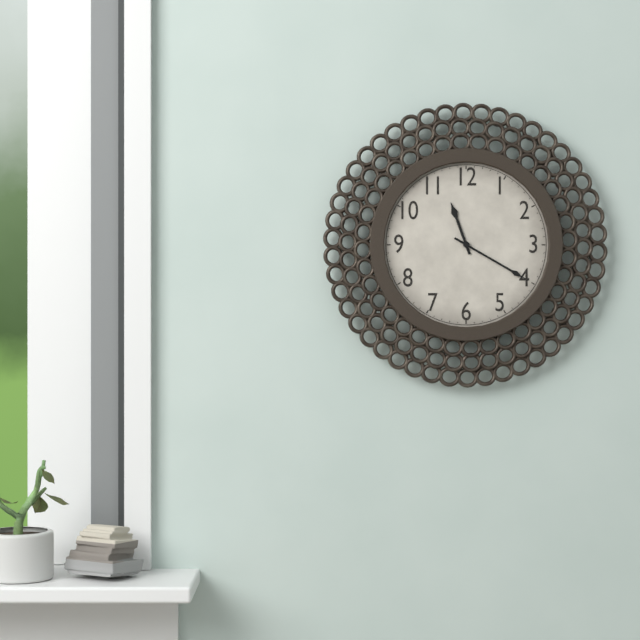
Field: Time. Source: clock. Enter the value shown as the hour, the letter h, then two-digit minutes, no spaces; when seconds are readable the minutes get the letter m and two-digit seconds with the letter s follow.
11h20
